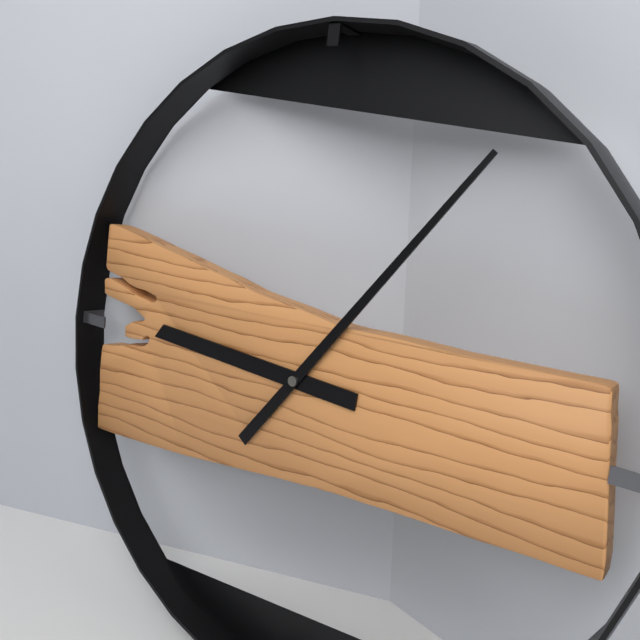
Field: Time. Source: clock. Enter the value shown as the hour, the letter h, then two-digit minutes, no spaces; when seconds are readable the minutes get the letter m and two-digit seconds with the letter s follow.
9h06
